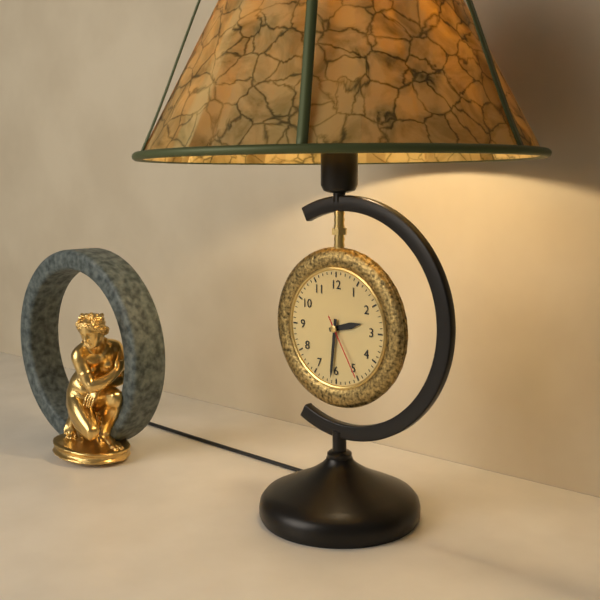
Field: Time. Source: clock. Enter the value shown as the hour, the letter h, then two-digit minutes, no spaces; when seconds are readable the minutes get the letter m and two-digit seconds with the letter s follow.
2h31m25s
